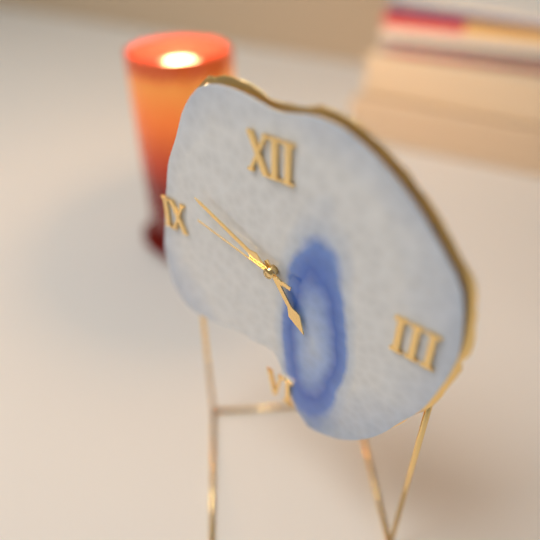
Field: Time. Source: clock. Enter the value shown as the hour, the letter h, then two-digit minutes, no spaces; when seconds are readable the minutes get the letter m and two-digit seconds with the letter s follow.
4h49m47s
